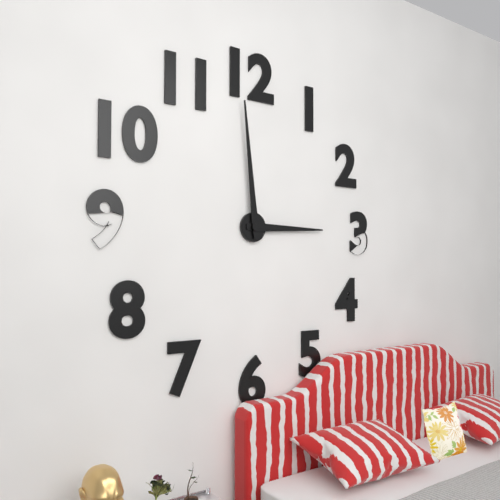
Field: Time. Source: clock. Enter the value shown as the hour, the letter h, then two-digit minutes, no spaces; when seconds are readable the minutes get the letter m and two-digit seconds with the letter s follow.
2h59
